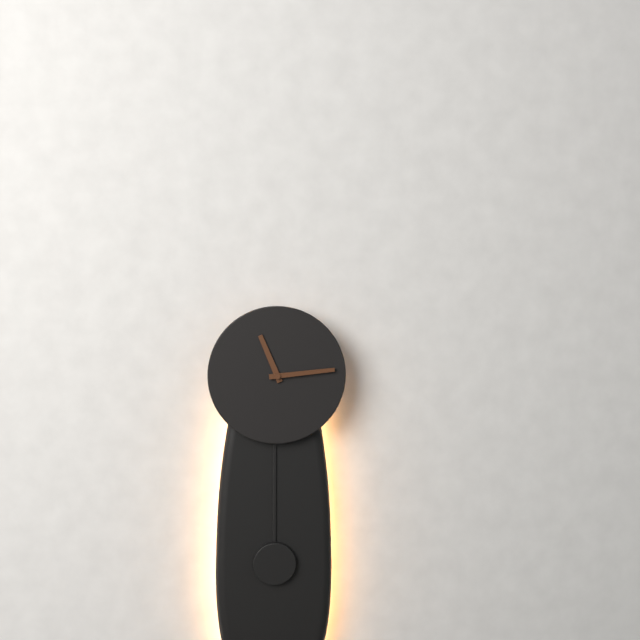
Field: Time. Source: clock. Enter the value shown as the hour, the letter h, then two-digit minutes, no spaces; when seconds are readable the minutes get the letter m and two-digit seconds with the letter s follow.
11h14
